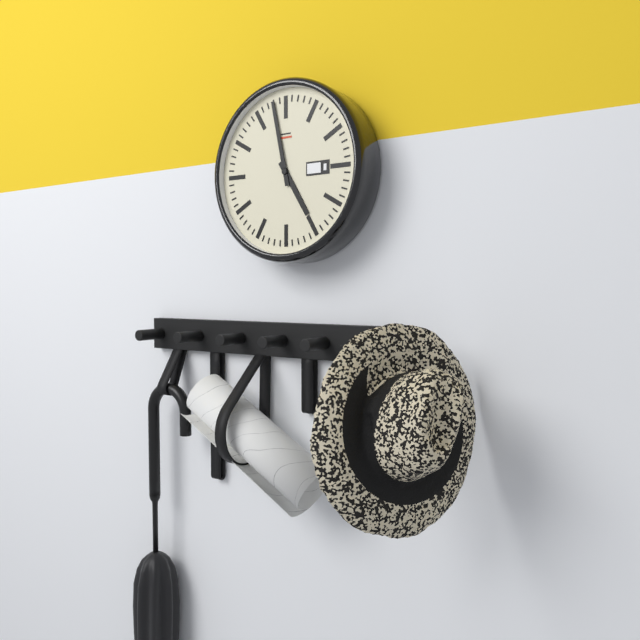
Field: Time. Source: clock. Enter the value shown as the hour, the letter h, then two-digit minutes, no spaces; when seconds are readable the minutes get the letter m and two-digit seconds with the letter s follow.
4h58
